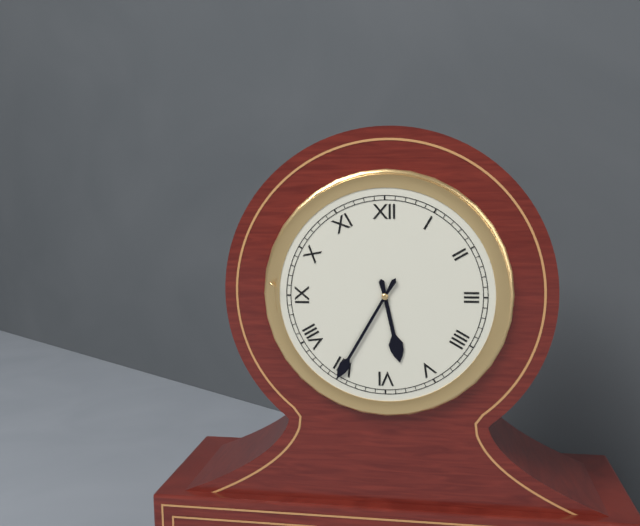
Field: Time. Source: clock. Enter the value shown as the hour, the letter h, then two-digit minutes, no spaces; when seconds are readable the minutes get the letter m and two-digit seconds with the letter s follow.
5h35
